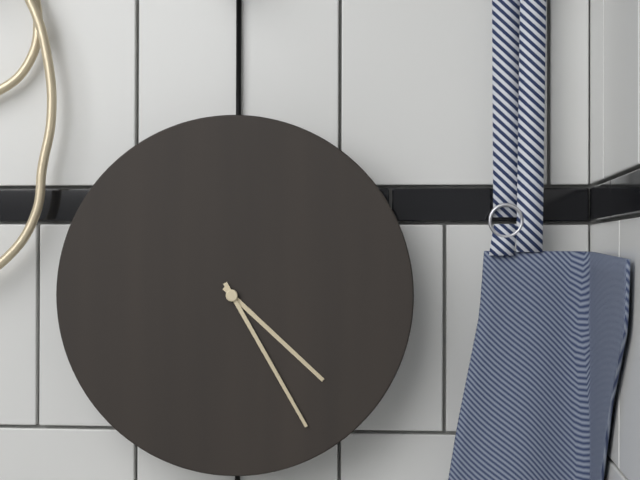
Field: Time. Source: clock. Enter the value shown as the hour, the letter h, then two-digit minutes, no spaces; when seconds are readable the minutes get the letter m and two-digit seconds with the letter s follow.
4h25
